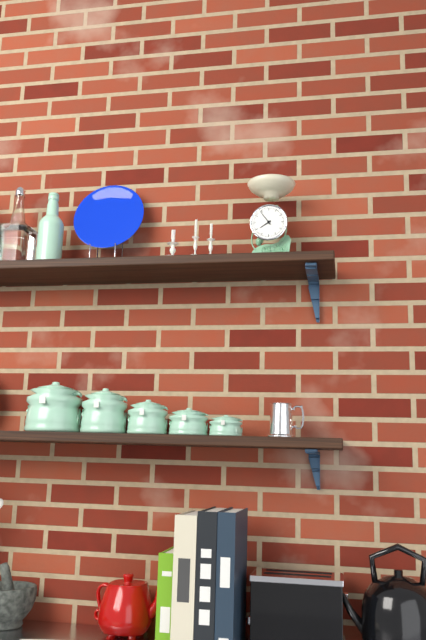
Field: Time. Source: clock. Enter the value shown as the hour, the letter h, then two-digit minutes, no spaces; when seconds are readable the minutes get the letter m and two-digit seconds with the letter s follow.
7h54
